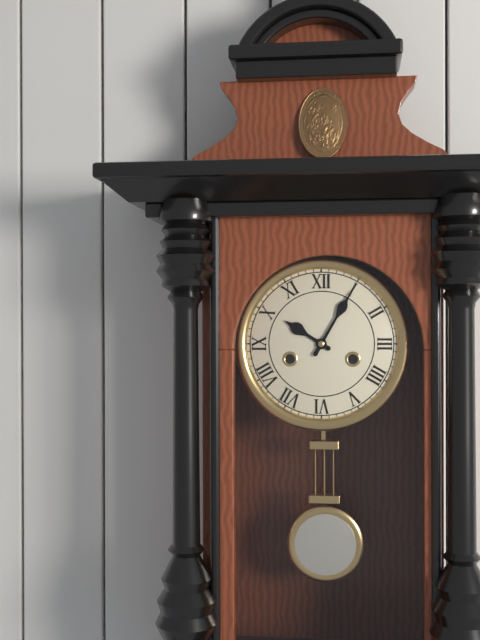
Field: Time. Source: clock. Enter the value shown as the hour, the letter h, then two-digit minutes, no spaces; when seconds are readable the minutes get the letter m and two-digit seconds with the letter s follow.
10h05
